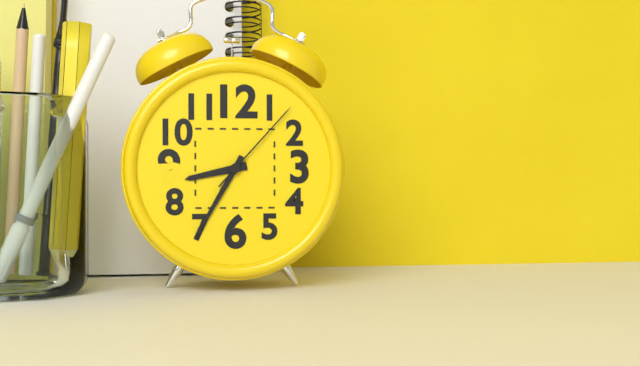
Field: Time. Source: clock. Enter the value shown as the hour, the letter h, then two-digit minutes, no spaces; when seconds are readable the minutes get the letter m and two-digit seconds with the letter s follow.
8h35m07s
